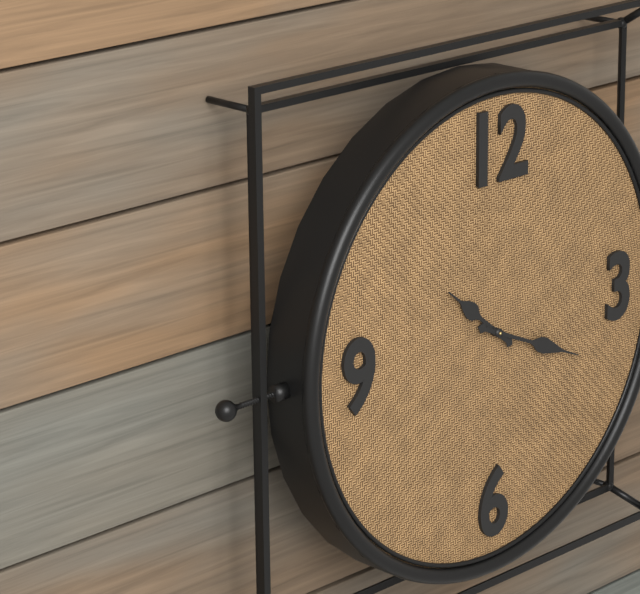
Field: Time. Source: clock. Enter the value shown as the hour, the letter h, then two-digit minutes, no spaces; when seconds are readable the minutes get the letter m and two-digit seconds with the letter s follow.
10h19
